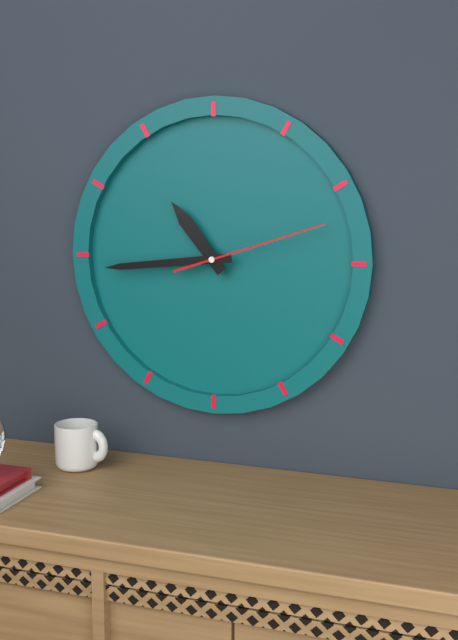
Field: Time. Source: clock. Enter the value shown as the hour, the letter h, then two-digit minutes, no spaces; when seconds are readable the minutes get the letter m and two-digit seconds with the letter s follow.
10h44m12s
